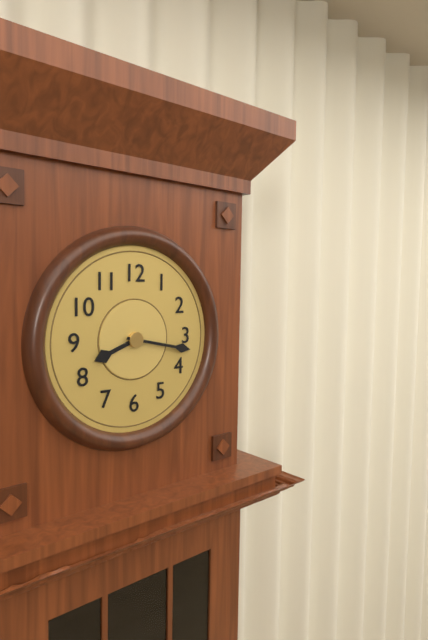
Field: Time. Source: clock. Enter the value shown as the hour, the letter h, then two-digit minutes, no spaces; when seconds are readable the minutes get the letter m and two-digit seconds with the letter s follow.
8h17
